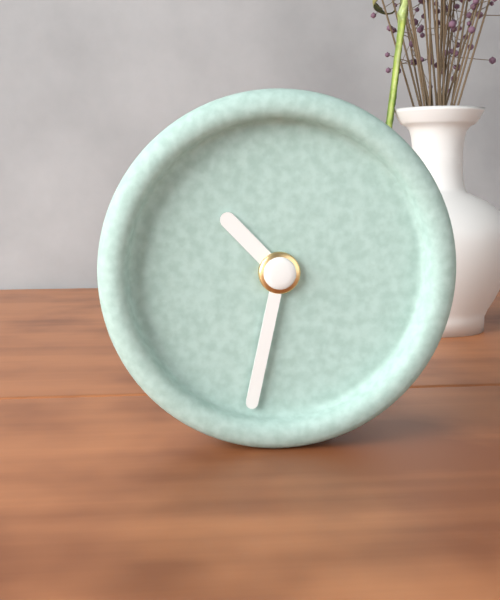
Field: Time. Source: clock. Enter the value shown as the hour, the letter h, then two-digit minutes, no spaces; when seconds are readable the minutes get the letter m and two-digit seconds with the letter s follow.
10h32
